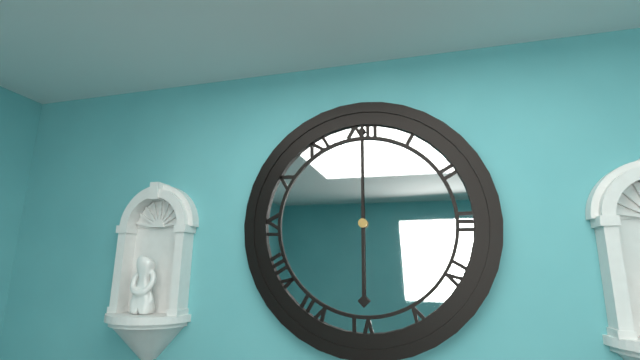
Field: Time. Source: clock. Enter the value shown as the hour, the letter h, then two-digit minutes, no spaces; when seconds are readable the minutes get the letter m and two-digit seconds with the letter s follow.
6h00
